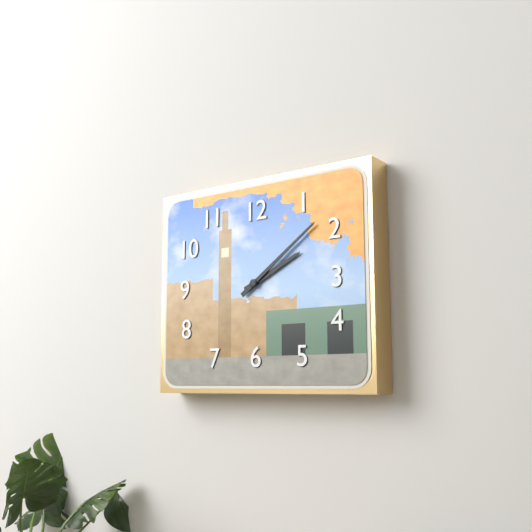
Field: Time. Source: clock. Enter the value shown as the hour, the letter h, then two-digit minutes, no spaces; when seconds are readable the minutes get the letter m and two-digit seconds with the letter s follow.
2h09
